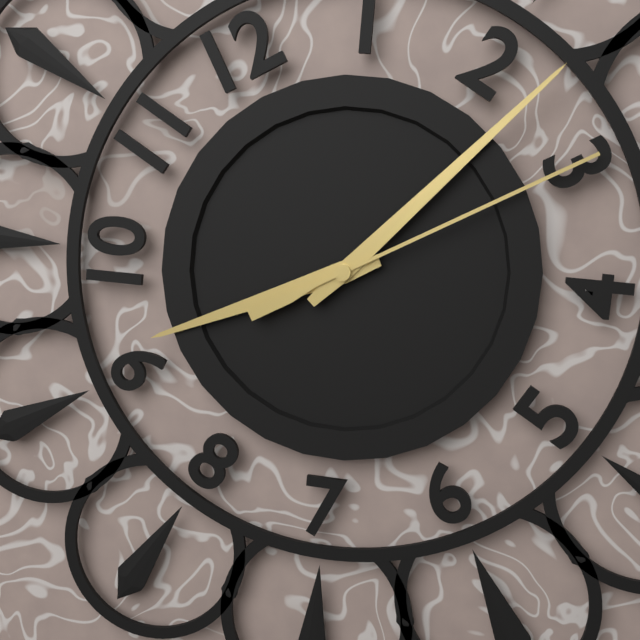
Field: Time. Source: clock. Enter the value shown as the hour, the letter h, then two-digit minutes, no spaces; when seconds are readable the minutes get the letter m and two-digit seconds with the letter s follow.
9h12m15s
